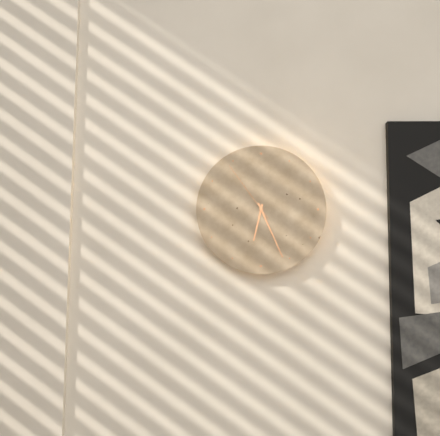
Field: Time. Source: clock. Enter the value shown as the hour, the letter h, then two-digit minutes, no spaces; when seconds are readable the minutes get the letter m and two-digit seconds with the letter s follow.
6h26m54s
